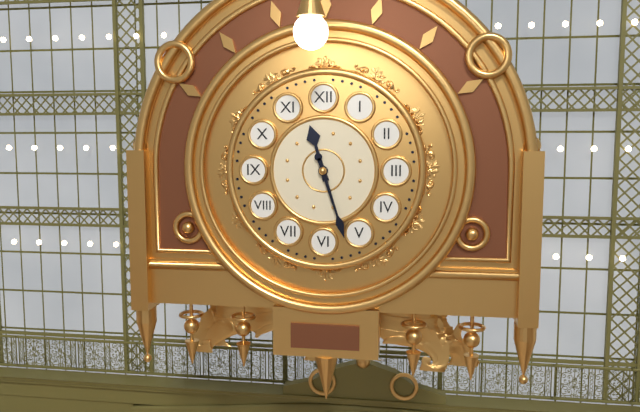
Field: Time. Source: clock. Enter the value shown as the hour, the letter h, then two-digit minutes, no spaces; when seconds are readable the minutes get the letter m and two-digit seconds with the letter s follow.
11h27
